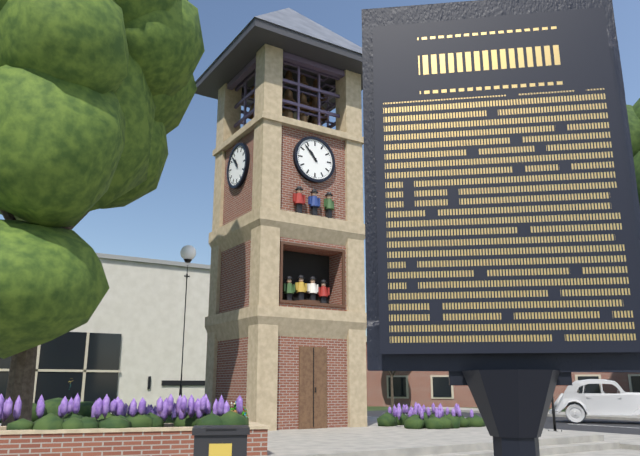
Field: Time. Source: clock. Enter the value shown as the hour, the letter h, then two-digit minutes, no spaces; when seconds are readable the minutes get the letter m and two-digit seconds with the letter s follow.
10h53
